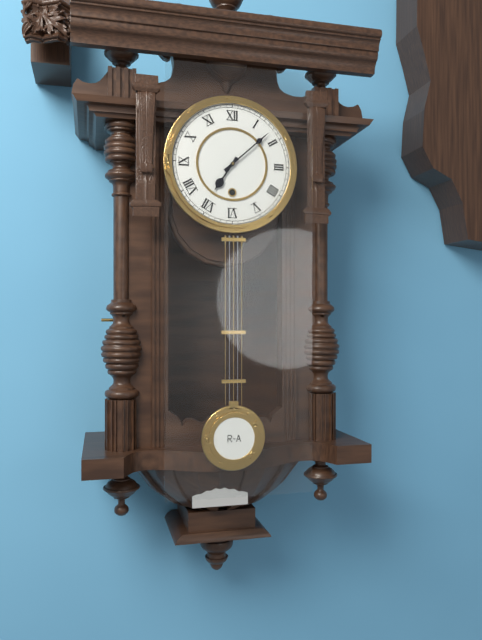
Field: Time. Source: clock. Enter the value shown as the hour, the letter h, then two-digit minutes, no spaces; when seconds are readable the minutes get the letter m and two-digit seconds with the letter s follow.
7h08
